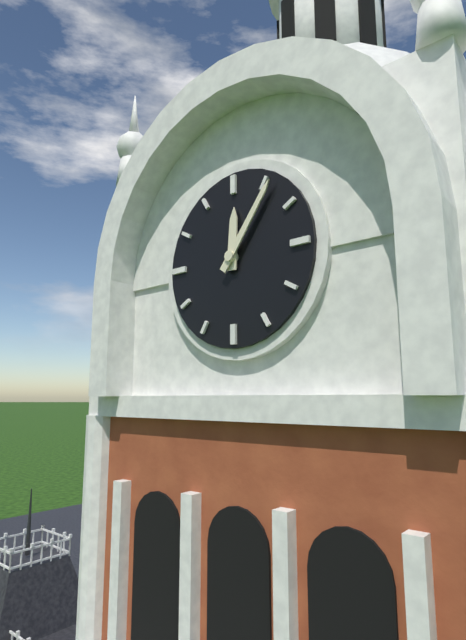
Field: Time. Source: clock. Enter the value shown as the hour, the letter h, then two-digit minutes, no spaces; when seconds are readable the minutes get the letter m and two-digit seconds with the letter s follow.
12h06
